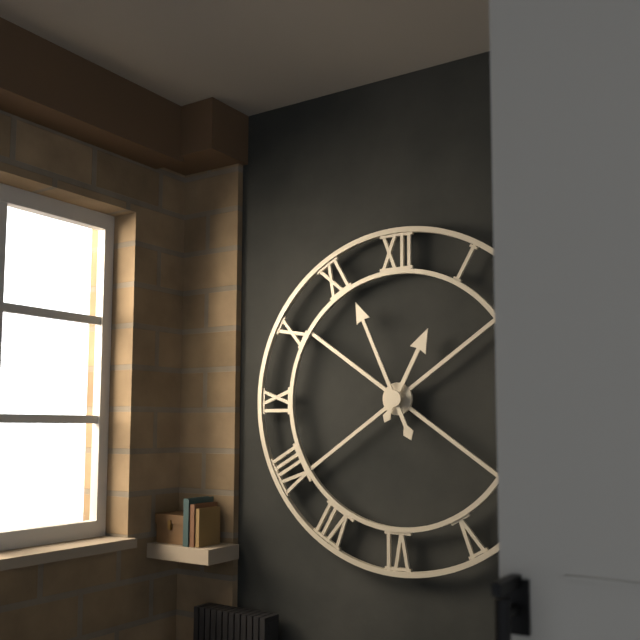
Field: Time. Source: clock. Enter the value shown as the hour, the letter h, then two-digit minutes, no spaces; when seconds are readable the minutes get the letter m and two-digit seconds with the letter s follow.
12h56
